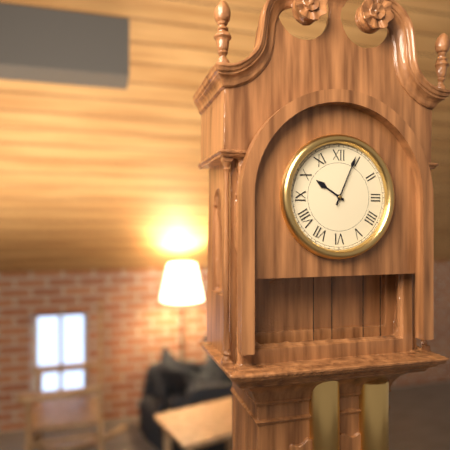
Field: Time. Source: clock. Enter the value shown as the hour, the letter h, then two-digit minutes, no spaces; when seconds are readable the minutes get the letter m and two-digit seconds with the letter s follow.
10h04
